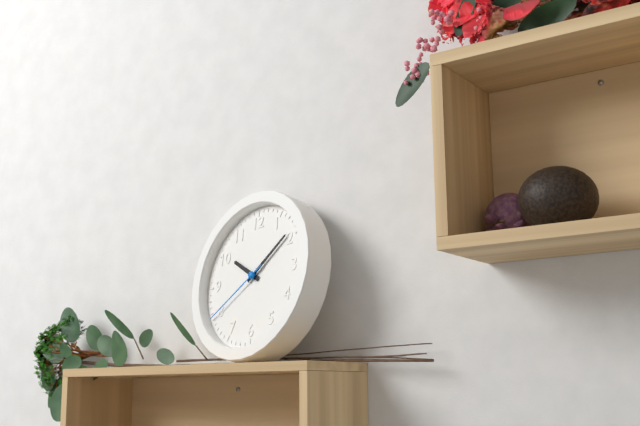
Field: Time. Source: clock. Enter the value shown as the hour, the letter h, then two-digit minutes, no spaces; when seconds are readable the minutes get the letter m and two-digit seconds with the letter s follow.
10h09m40s
